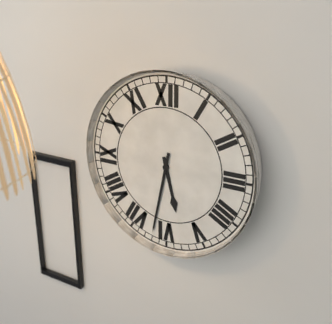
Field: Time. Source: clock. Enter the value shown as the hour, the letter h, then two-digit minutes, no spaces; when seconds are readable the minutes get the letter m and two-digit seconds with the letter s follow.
5h32
